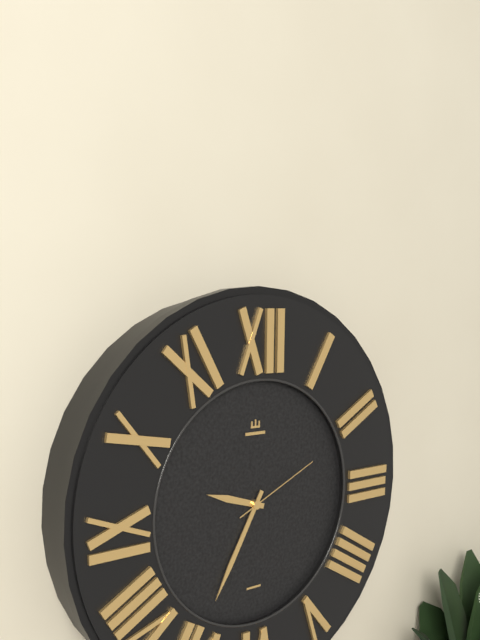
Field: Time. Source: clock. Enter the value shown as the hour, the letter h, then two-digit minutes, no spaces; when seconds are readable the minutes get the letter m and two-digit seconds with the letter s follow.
9h35m11s
